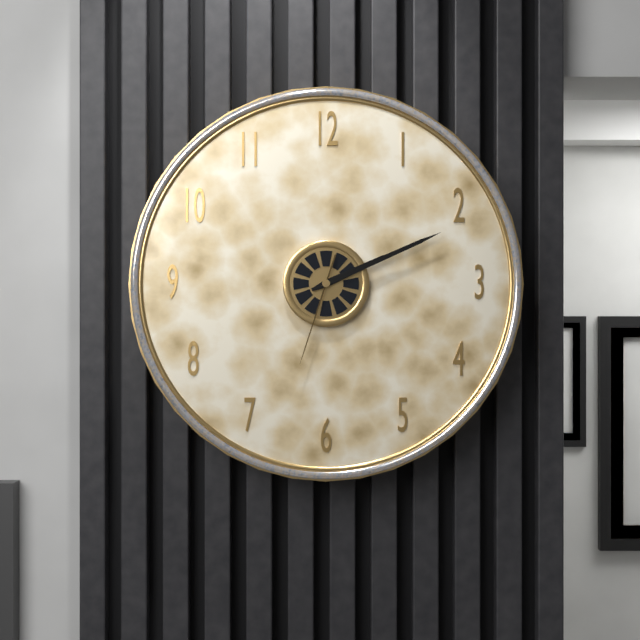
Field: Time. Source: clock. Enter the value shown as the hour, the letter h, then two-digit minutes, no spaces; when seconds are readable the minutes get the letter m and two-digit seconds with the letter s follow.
2h11m33s
